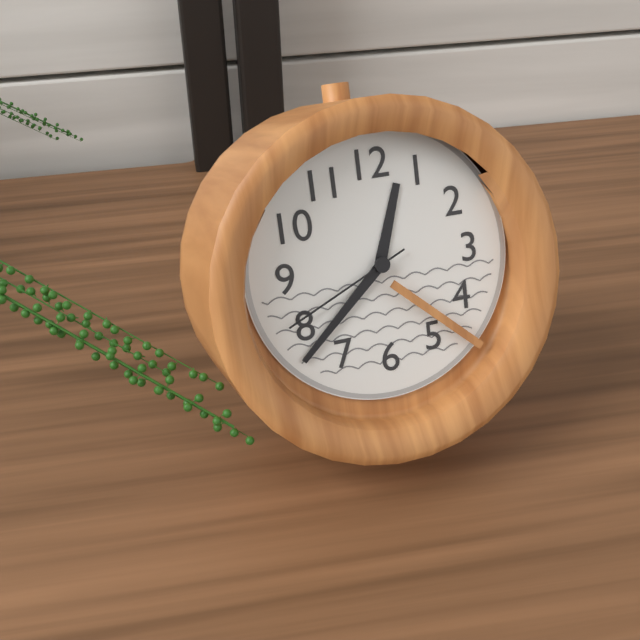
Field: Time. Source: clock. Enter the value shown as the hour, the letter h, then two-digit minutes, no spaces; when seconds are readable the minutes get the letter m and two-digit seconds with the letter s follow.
12h38m41s
